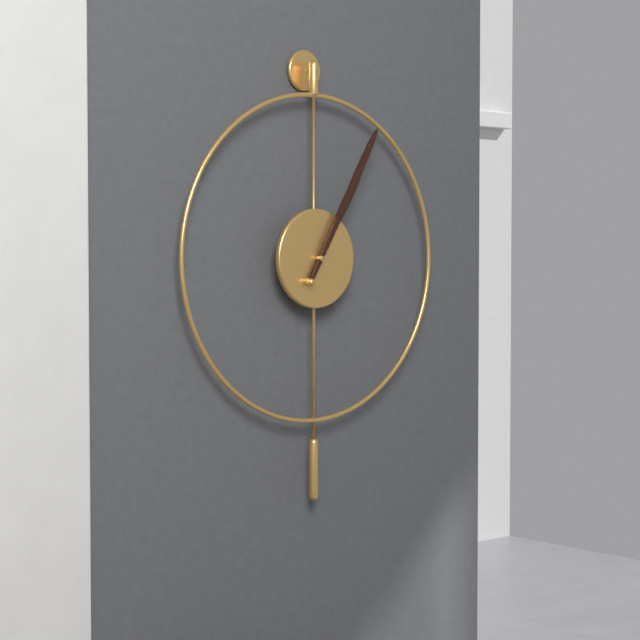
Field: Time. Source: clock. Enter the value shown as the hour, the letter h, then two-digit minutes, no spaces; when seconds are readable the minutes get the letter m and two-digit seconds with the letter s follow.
1h05
